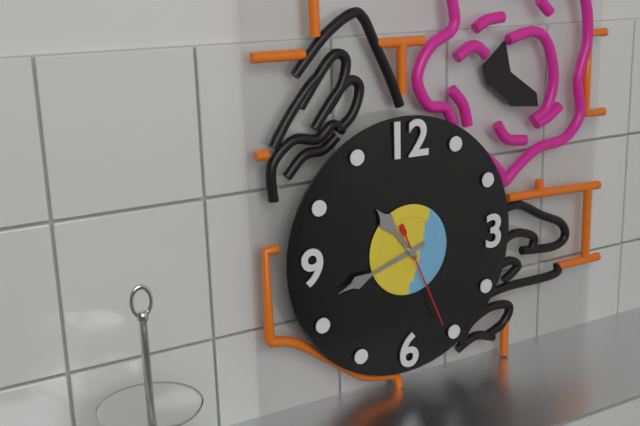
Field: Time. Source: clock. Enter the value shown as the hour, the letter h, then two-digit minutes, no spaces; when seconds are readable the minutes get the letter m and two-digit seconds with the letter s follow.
10h42m26s
